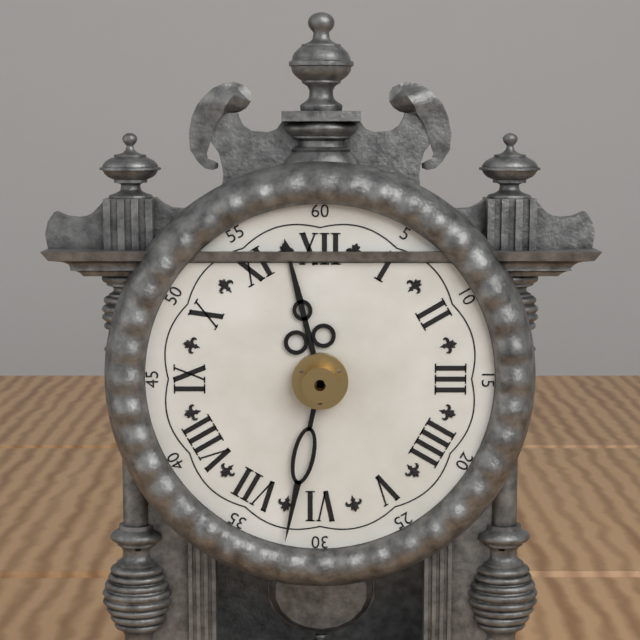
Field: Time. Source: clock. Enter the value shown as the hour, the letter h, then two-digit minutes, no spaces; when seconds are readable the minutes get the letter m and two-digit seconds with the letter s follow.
11h32
